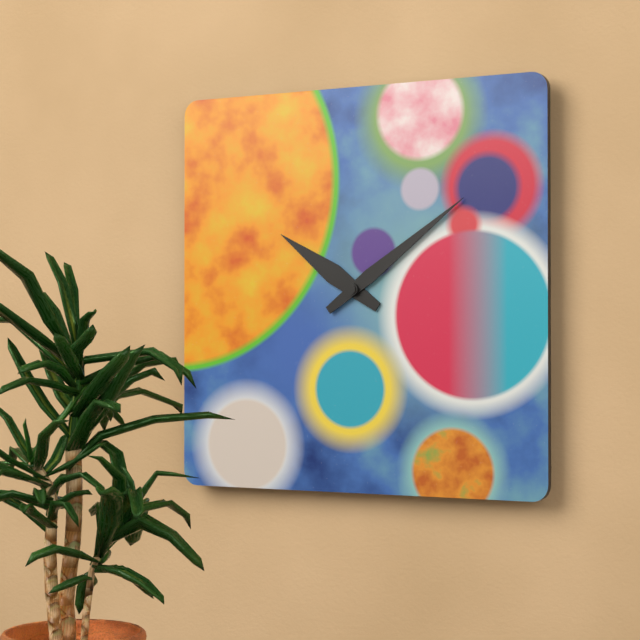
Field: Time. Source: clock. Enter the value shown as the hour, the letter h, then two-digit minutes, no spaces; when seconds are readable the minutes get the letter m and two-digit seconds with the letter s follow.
10h09
